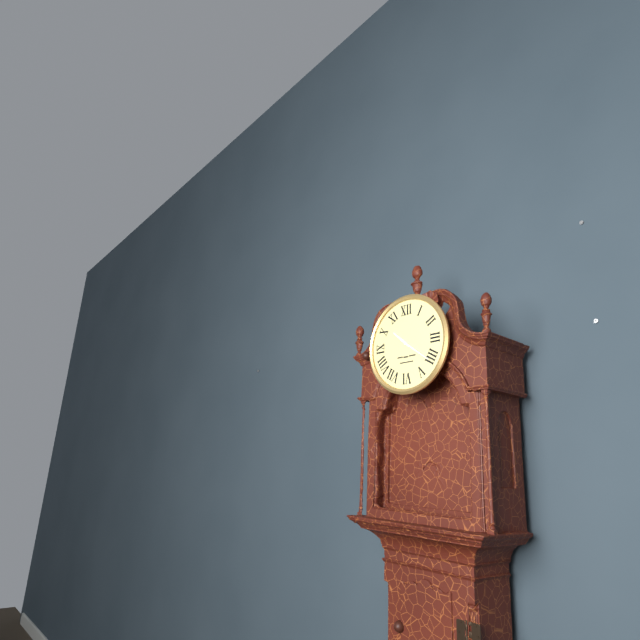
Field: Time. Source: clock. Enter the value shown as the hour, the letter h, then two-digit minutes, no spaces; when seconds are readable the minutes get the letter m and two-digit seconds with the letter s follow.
10h21
